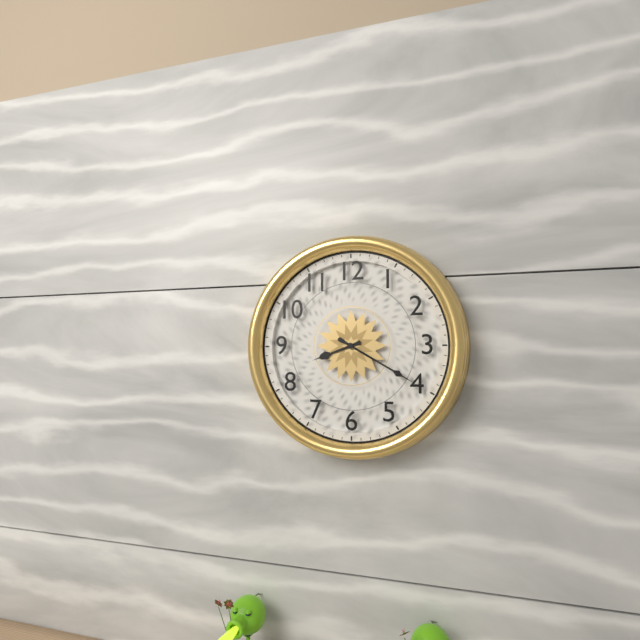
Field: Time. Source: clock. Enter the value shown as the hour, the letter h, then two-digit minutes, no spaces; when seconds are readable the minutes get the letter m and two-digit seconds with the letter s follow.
8h20
